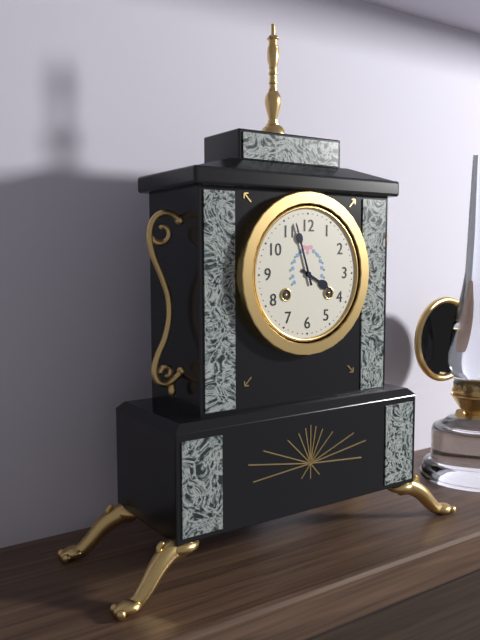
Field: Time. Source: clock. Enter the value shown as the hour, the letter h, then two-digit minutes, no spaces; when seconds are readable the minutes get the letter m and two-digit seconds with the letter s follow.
3h57
